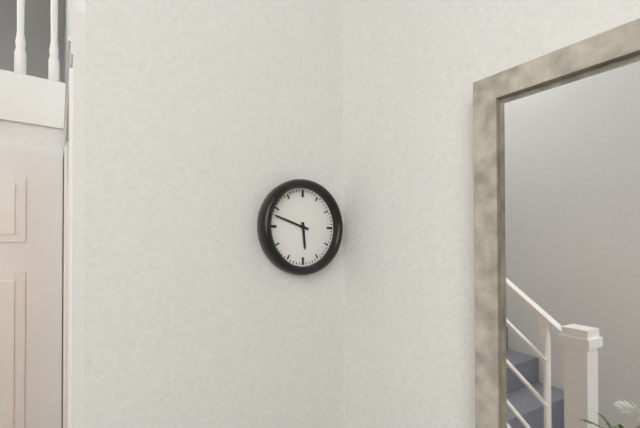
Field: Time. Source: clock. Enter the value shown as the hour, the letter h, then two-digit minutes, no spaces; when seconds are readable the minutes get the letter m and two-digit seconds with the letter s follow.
5h48
